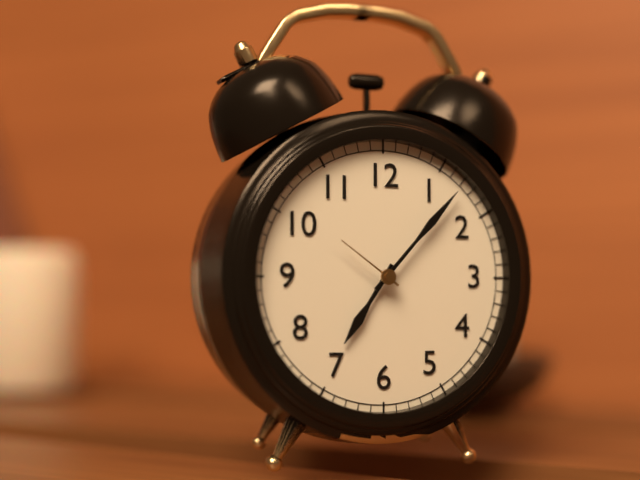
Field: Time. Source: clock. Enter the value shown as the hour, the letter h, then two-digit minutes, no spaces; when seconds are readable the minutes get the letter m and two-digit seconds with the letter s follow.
7h07m51s
